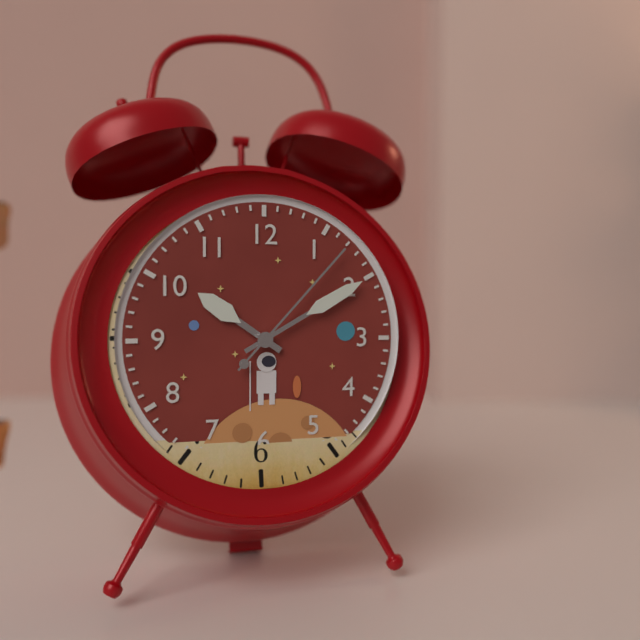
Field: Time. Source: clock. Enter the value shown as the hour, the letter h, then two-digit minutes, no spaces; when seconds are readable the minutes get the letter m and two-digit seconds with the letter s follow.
10h10m07s
